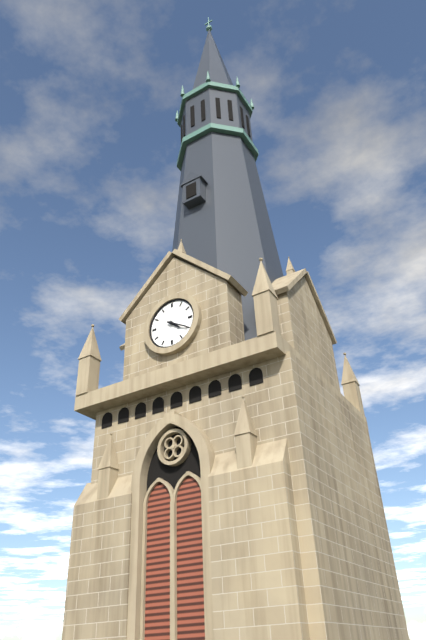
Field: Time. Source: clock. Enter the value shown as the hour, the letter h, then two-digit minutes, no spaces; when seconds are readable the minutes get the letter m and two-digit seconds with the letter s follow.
4h20
